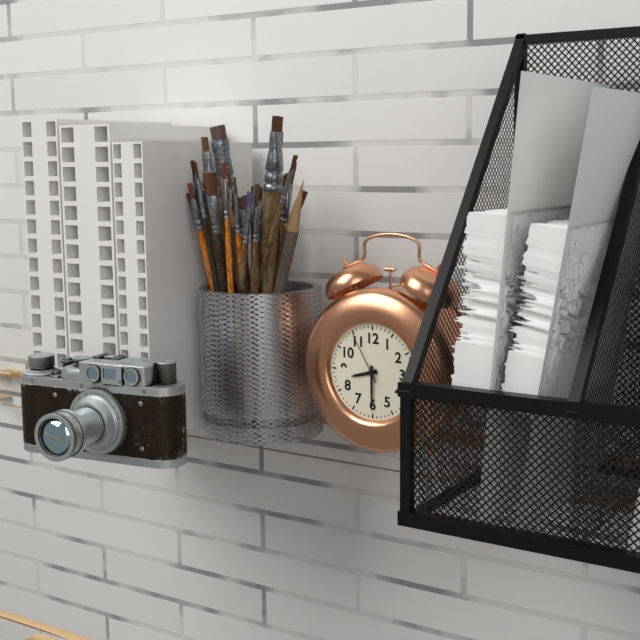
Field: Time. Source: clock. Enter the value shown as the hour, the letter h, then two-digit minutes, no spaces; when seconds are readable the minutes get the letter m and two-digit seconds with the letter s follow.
8h30m55s
